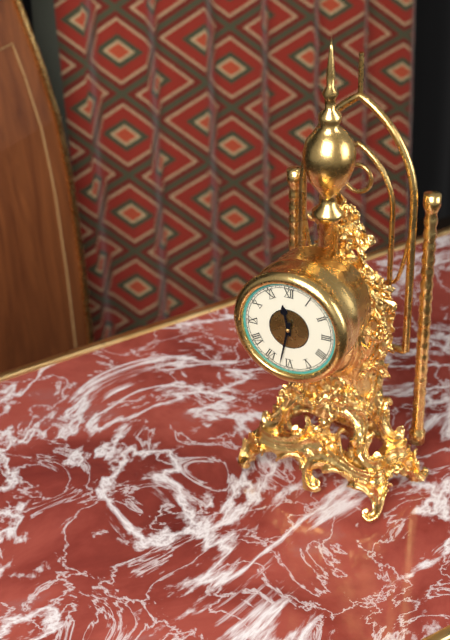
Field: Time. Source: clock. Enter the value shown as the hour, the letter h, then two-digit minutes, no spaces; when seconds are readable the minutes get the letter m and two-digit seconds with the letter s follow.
11h32
